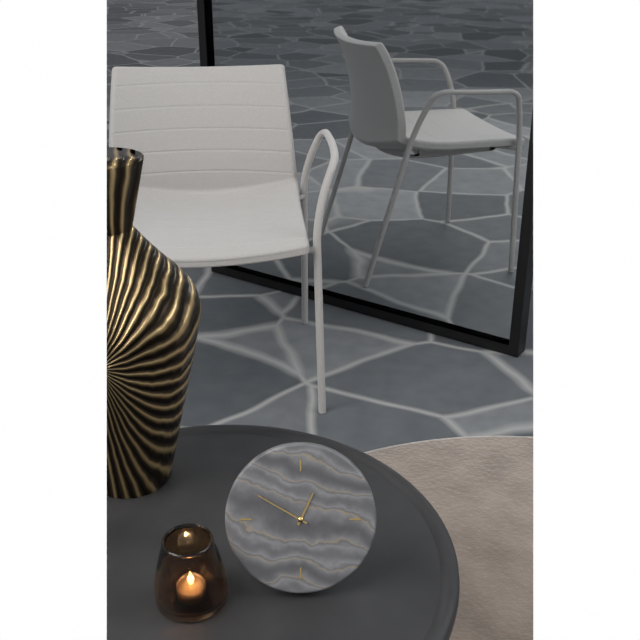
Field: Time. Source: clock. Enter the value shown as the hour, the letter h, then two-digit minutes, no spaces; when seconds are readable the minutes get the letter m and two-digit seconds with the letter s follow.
12h50
